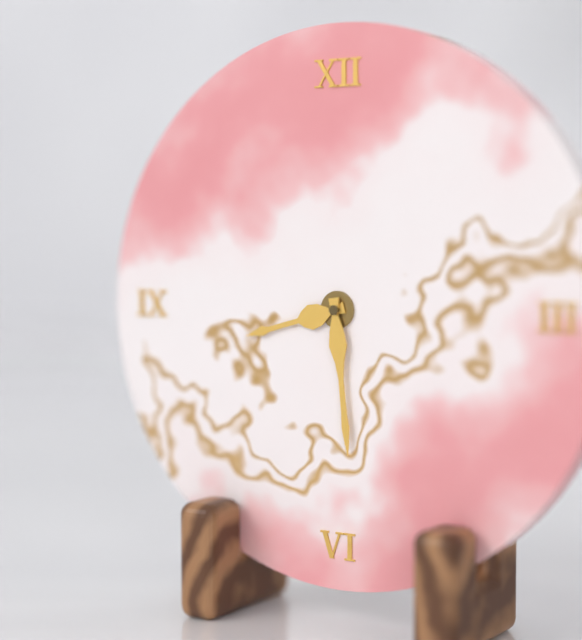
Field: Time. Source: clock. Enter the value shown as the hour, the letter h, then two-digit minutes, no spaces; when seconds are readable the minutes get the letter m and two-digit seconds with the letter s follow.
8h29
